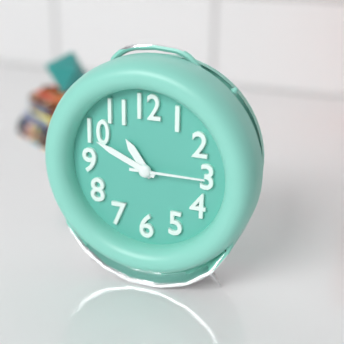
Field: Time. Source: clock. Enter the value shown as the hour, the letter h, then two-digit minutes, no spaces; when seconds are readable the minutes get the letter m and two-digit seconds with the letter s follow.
10h49m15s
